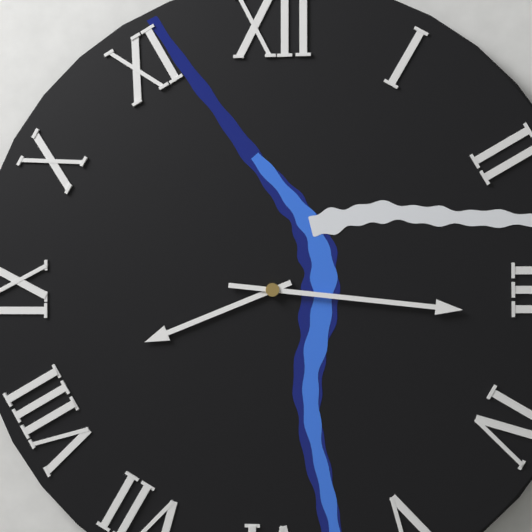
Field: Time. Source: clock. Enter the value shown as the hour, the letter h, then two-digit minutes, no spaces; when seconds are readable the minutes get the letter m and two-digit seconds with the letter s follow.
8h16
